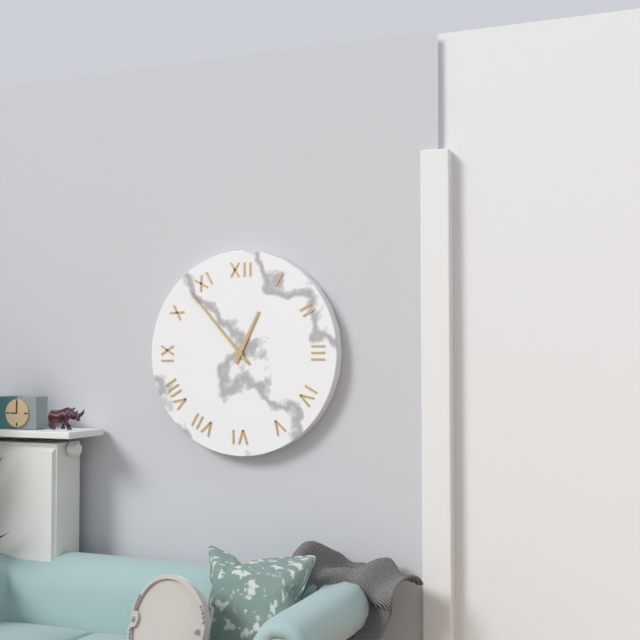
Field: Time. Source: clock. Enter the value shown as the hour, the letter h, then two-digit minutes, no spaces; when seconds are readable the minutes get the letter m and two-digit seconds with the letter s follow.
12h53
